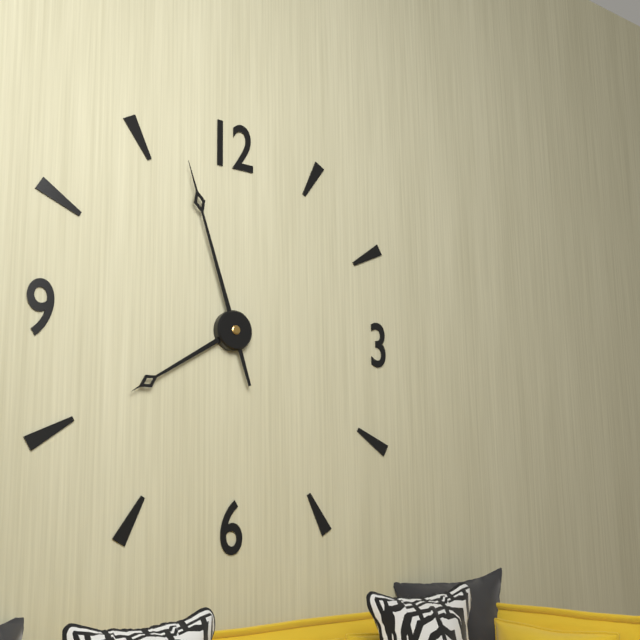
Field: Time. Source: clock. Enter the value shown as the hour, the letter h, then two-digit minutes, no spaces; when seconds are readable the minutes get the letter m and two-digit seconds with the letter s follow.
7h57
